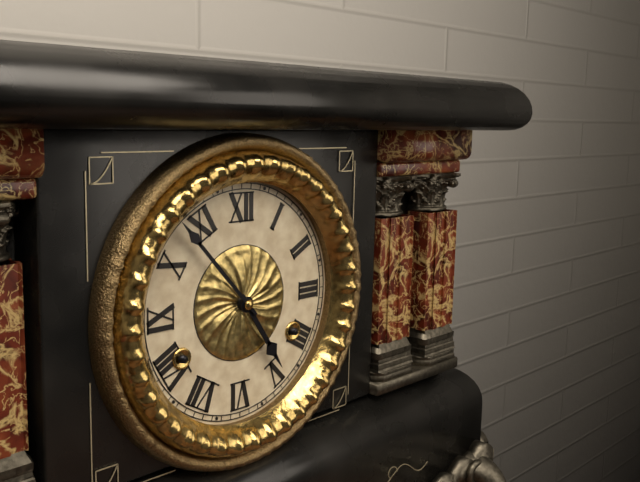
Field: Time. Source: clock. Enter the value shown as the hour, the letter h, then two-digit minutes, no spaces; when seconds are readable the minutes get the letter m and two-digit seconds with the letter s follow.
4h53
